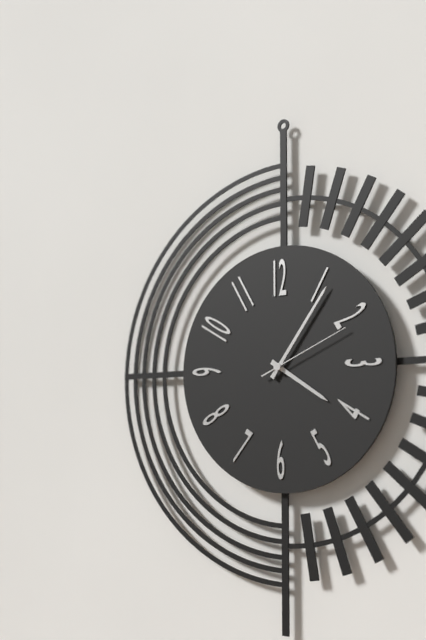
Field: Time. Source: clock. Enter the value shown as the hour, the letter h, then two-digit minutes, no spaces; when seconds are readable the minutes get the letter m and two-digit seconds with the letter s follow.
4h06m11s
